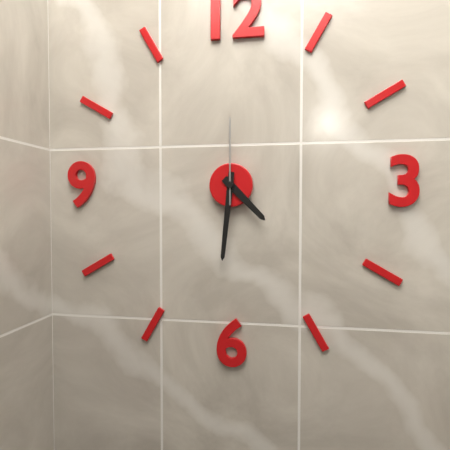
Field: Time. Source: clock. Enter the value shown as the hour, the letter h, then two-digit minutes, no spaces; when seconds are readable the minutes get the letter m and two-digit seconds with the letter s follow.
4h31m00s
